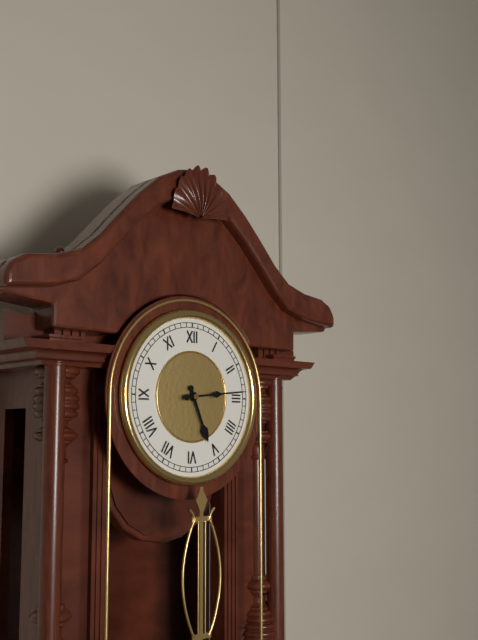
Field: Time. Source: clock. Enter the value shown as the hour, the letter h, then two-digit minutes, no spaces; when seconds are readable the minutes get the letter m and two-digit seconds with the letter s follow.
5h14
